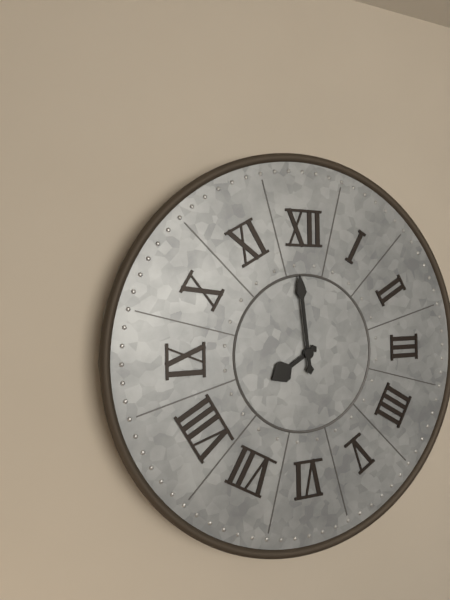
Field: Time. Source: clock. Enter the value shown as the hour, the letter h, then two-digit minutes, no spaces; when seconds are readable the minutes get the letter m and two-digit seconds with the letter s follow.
7h59
